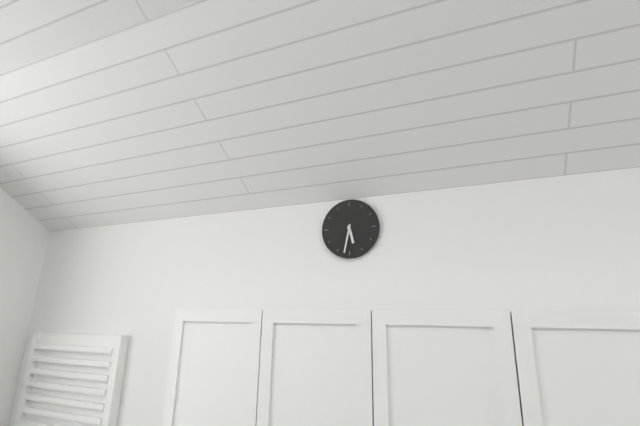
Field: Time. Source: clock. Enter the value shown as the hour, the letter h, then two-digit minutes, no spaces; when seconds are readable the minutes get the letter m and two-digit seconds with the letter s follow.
5h32
